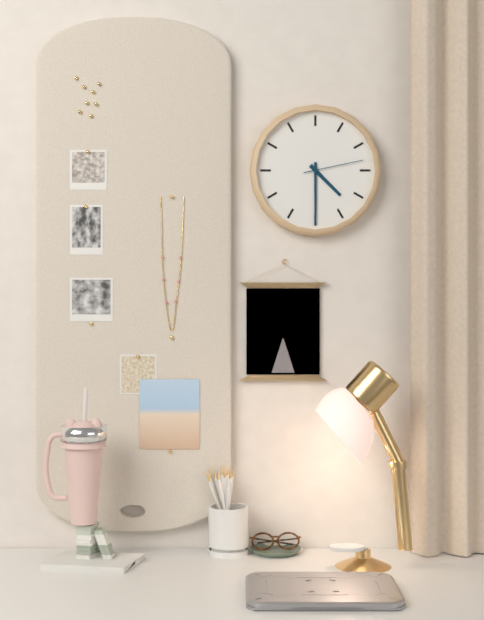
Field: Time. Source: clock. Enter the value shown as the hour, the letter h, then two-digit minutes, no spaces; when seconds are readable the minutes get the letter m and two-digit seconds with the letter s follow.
4h30m13s
